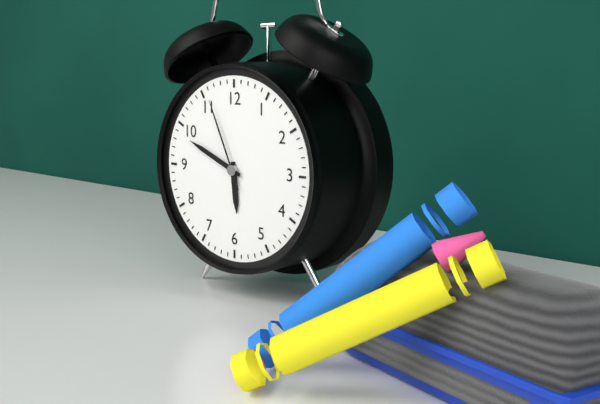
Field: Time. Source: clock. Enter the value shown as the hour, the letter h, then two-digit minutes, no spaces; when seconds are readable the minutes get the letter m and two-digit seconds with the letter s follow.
5h49m56s
